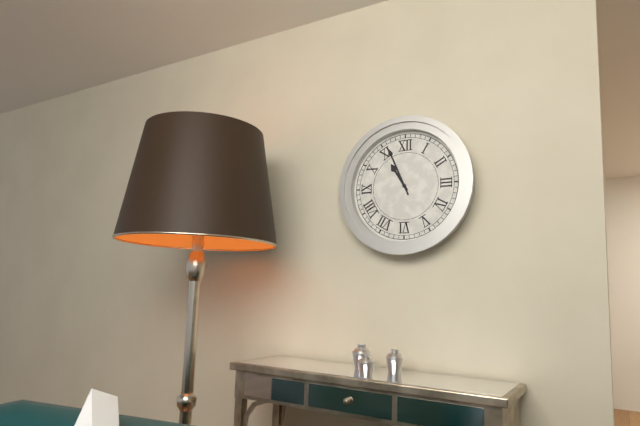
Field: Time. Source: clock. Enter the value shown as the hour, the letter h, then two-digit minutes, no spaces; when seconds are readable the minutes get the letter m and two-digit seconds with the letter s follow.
10h56
